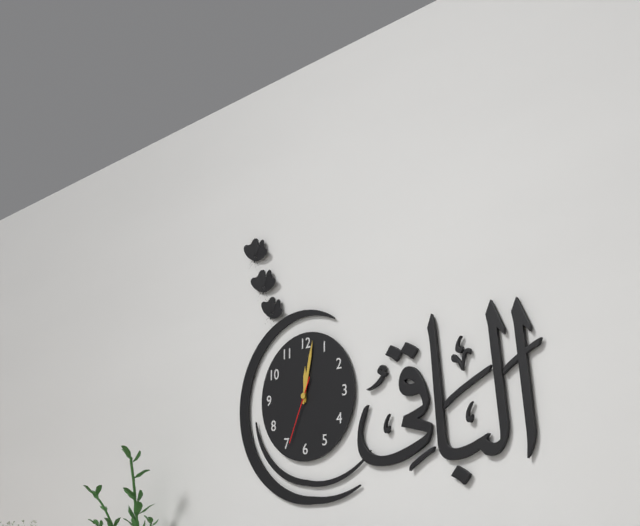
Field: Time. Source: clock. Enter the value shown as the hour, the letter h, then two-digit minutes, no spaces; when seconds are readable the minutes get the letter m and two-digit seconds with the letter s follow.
12h02m34s
